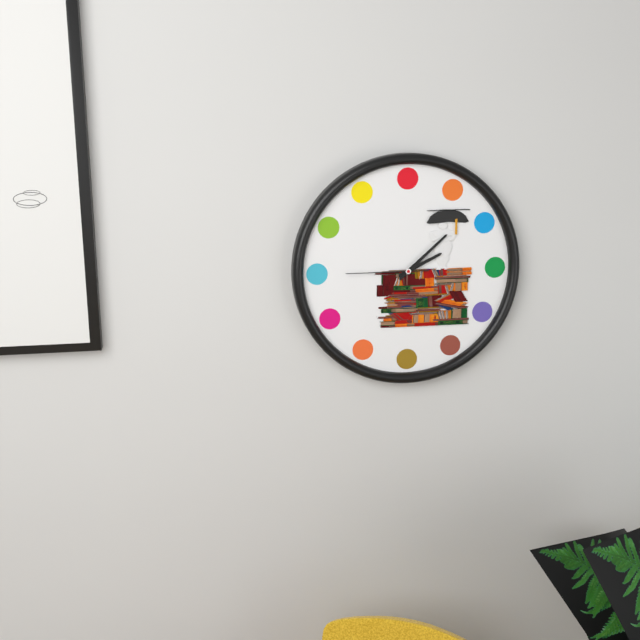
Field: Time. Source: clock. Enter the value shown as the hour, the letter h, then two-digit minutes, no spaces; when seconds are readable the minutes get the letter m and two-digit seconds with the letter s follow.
2h08m45s
